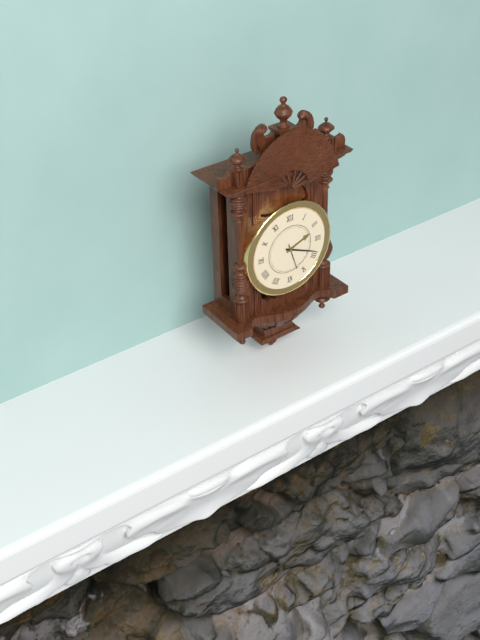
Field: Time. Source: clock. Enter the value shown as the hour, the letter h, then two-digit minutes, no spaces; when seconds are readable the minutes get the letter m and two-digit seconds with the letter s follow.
2h19
